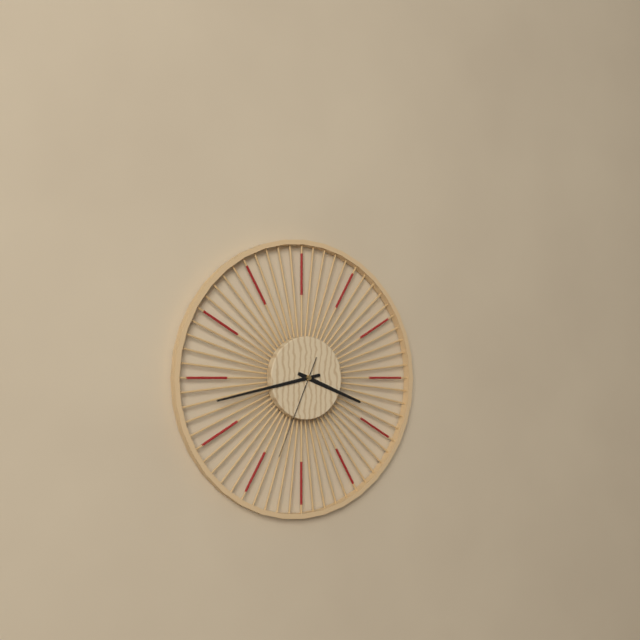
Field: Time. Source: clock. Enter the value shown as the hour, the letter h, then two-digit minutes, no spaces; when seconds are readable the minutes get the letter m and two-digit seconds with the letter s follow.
3h43m34s
